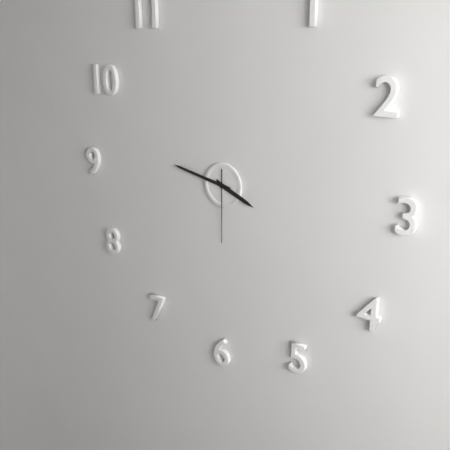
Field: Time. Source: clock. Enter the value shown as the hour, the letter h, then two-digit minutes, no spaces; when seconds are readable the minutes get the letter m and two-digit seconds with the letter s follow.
3h47m30s
